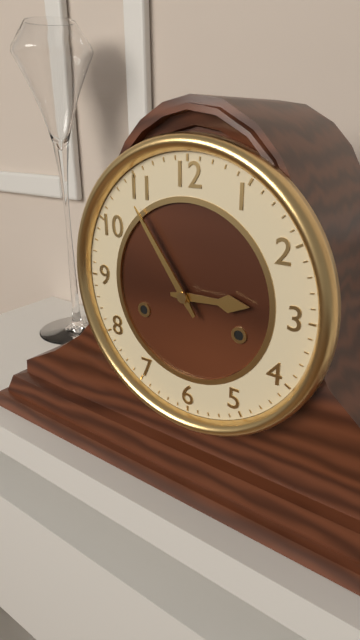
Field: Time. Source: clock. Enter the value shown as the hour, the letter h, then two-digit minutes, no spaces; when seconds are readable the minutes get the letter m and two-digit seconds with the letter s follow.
2h54
